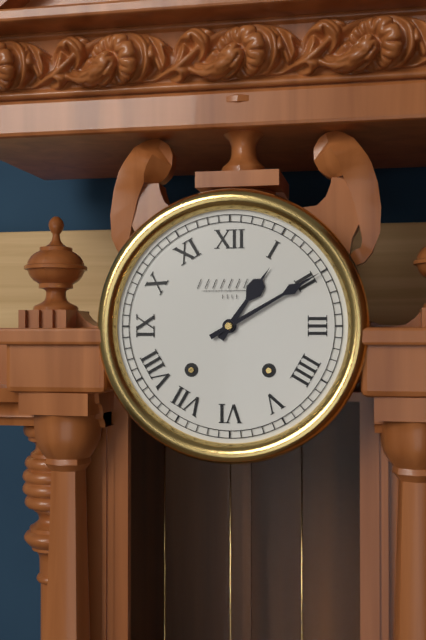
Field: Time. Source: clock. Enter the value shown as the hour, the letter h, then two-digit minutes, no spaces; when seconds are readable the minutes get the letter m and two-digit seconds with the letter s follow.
1h10
